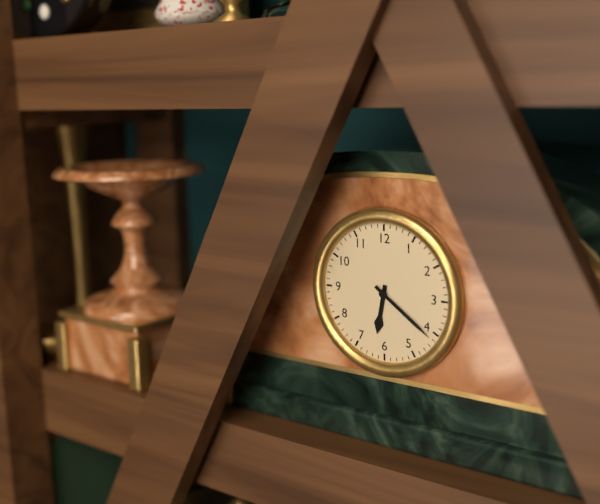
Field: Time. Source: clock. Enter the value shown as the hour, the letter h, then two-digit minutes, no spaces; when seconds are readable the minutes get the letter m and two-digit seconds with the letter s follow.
6h21
